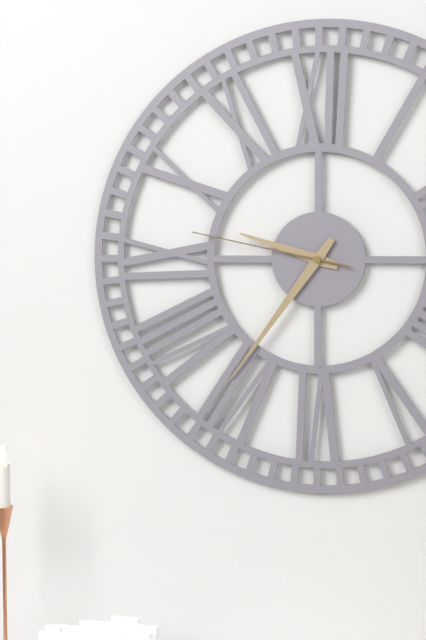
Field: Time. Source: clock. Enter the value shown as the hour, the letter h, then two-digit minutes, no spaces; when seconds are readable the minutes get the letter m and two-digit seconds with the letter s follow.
9h36m47s
